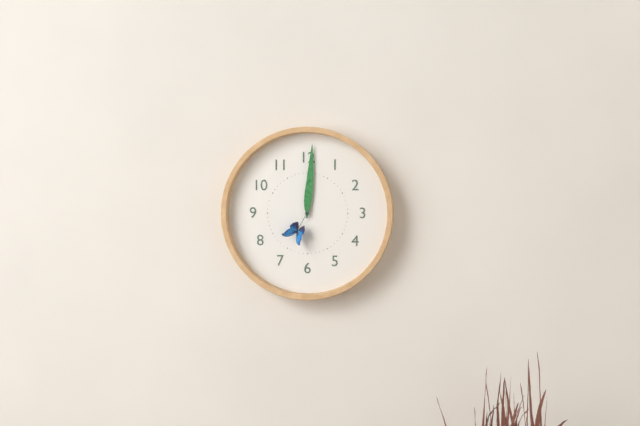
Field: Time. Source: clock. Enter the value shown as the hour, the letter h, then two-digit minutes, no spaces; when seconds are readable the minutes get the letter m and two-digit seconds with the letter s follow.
12h01
